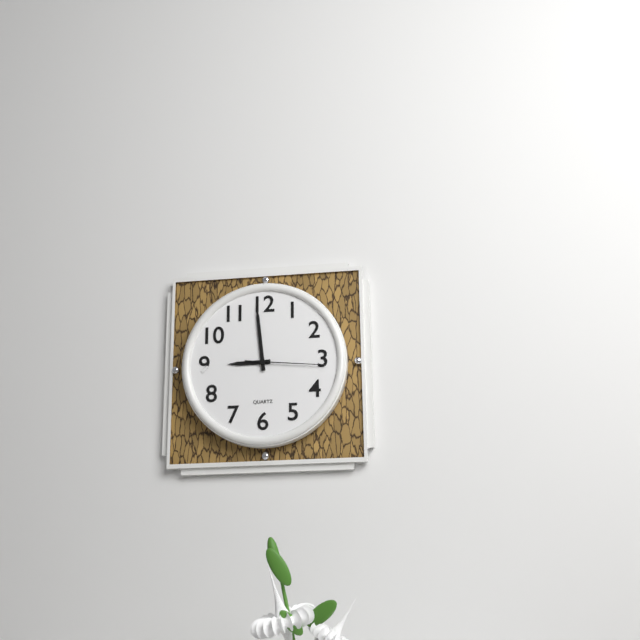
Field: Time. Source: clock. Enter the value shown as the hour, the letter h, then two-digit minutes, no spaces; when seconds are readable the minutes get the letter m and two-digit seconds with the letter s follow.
8h59m16s
